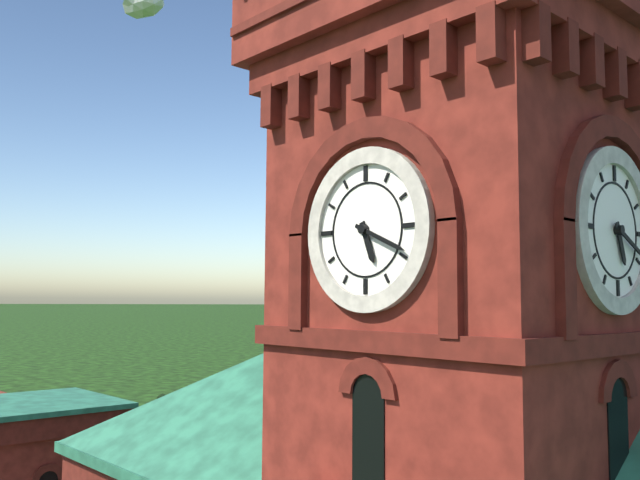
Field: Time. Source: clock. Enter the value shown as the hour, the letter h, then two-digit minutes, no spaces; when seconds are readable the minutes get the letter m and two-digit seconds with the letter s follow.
5h19
